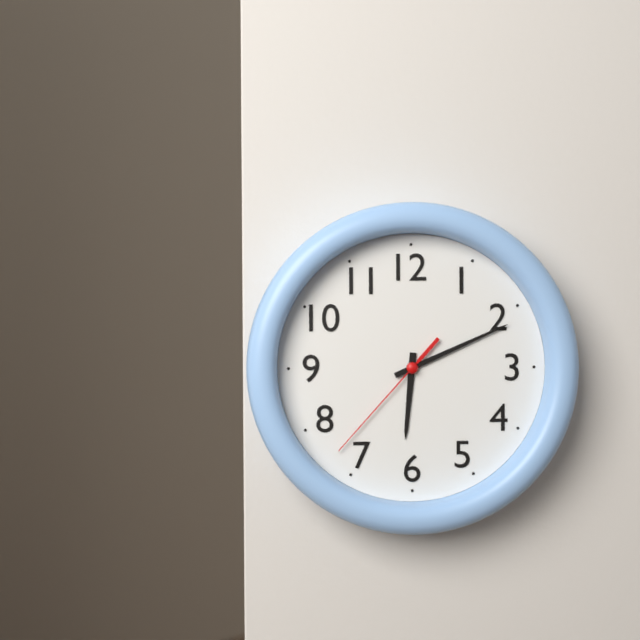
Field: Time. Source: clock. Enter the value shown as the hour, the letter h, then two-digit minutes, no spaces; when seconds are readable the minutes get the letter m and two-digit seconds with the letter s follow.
6h11m37s
